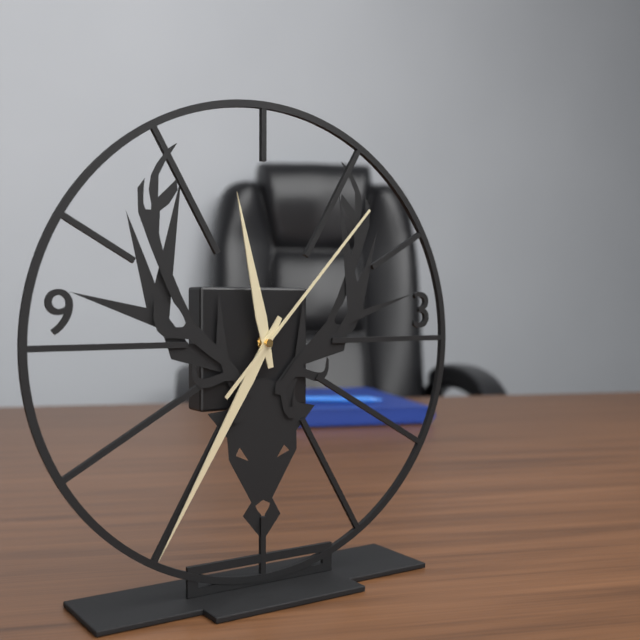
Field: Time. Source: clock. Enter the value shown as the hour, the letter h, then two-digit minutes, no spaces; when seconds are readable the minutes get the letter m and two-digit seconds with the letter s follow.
11h35m07s
